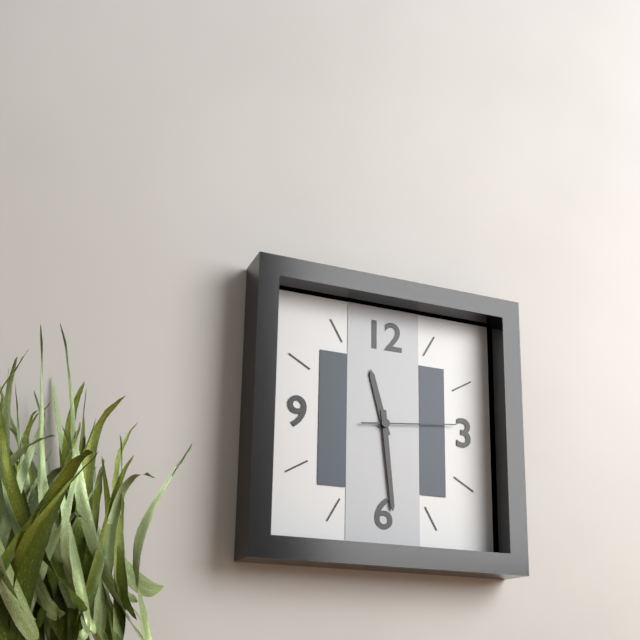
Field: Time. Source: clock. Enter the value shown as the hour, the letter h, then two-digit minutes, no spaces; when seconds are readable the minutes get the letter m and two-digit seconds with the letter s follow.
11h29m14s
